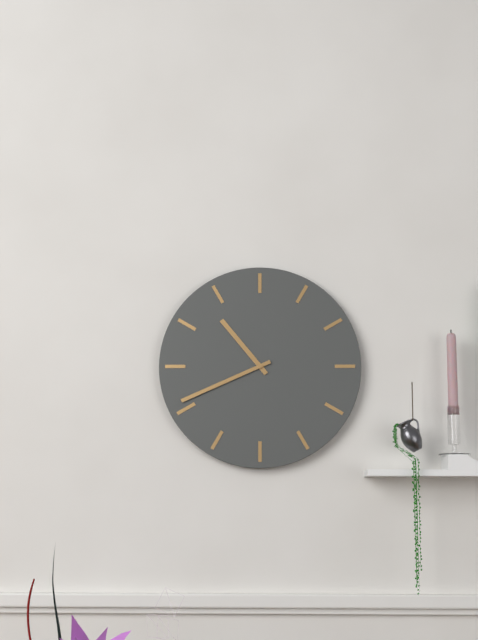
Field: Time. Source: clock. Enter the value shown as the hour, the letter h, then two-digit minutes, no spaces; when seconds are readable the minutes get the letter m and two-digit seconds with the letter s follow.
10h41
